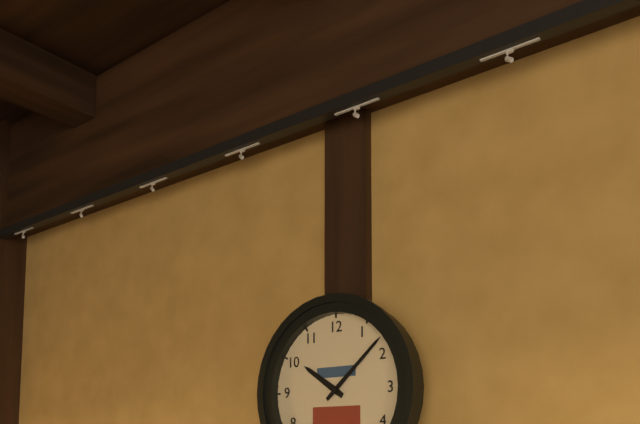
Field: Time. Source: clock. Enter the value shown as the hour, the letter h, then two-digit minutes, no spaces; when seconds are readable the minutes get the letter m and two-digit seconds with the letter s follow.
10h08
